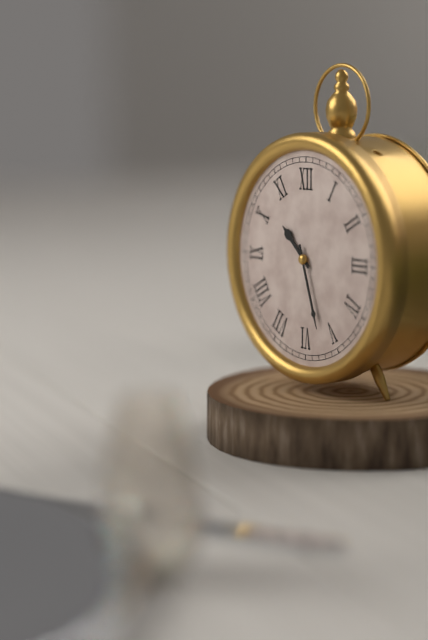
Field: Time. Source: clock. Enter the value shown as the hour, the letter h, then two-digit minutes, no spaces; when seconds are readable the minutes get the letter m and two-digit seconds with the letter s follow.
10h27
